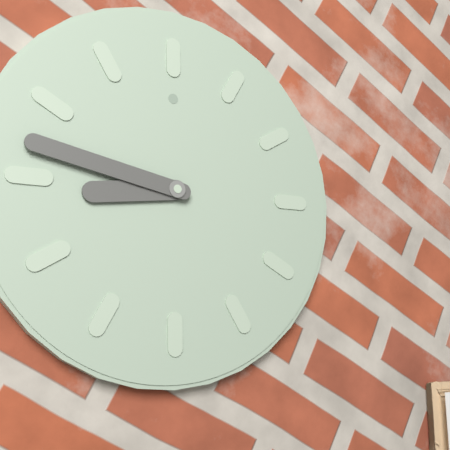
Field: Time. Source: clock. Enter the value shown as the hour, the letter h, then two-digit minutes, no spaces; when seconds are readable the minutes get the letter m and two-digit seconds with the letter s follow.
8h47
